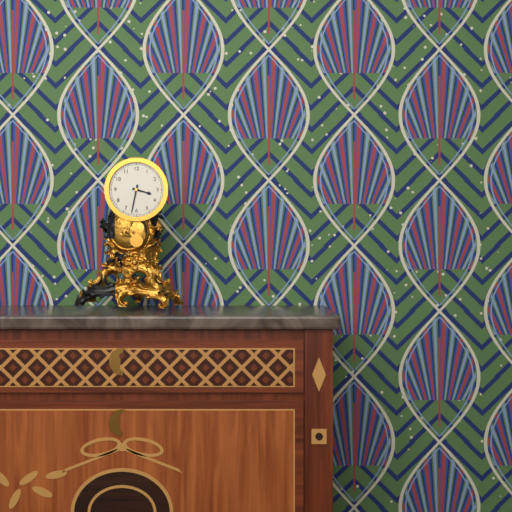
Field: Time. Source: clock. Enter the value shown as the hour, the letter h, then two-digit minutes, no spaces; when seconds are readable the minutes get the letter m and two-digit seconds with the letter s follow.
3h32
